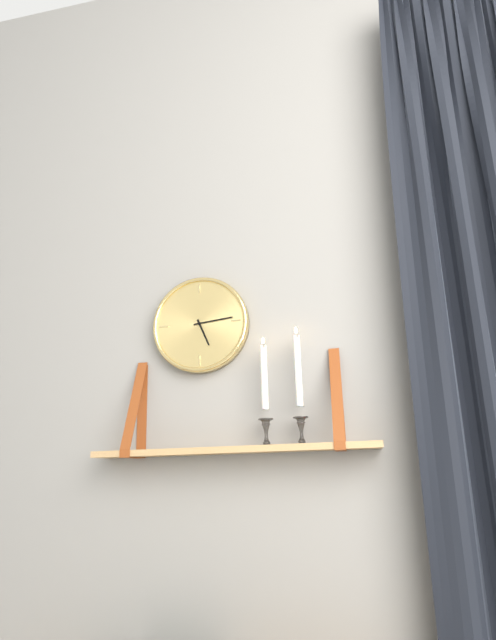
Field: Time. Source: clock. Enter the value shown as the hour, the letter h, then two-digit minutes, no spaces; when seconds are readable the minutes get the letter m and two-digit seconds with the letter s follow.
5h14
